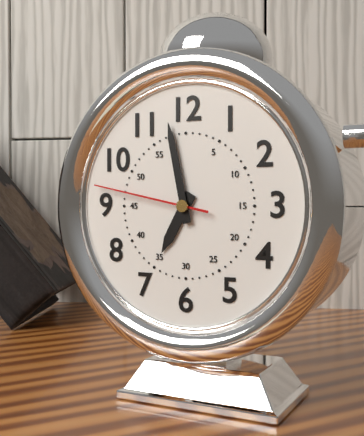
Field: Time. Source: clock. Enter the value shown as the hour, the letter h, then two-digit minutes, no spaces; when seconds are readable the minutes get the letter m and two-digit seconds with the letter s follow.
6h58m47s
